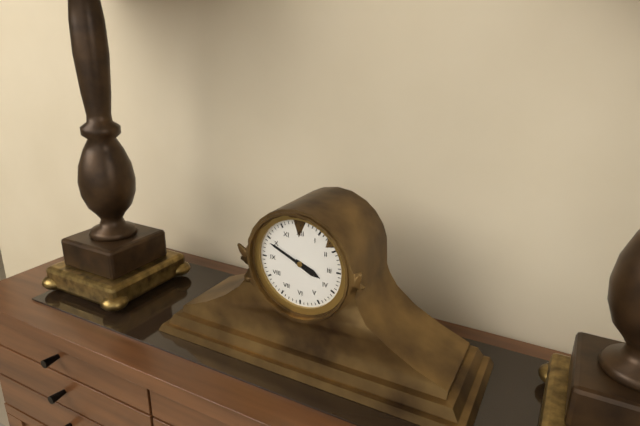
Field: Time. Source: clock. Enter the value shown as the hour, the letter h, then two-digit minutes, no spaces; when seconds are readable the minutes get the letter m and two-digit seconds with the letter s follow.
3h49
